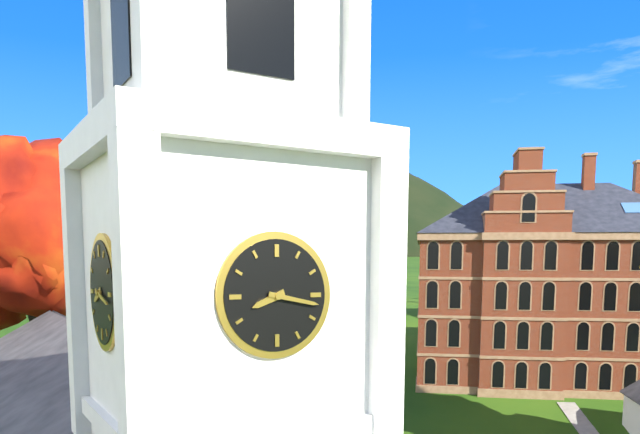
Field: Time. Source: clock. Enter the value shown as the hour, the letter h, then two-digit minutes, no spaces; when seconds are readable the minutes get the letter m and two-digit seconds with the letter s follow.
8h17
